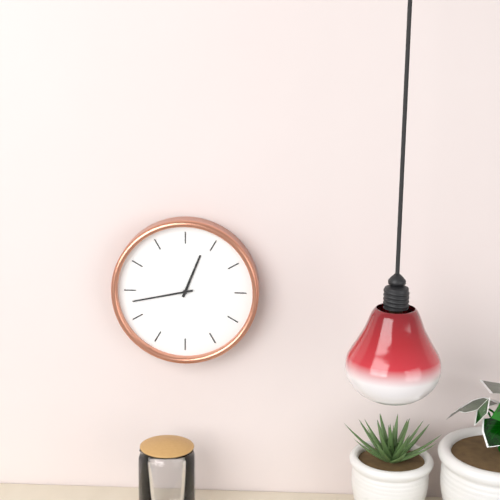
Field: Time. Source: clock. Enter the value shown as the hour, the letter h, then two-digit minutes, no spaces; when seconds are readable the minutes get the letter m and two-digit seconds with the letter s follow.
12h43
